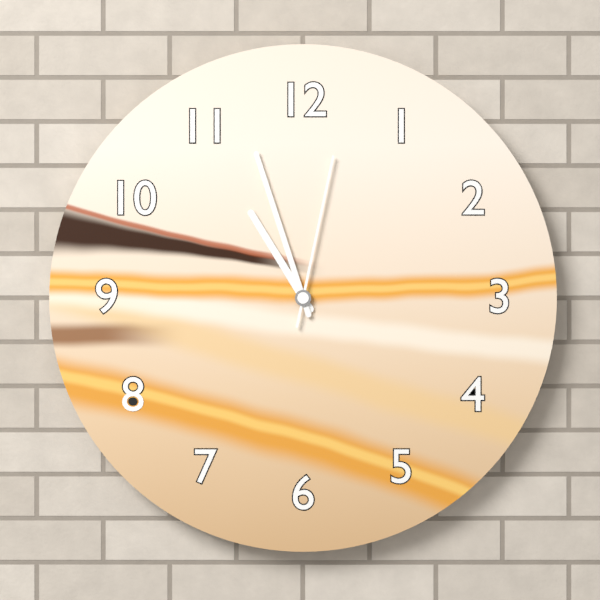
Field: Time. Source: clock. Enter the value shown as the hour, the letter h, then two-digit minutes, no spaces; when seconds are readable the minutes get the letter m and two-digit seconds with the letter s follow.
10h57m02s
